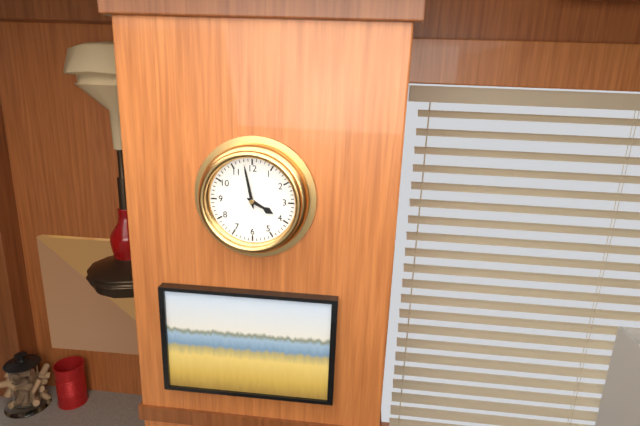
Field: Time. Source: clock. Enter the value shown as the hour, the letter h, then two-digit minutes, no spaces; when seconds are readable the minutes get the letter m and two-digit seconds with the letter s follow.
3h58
